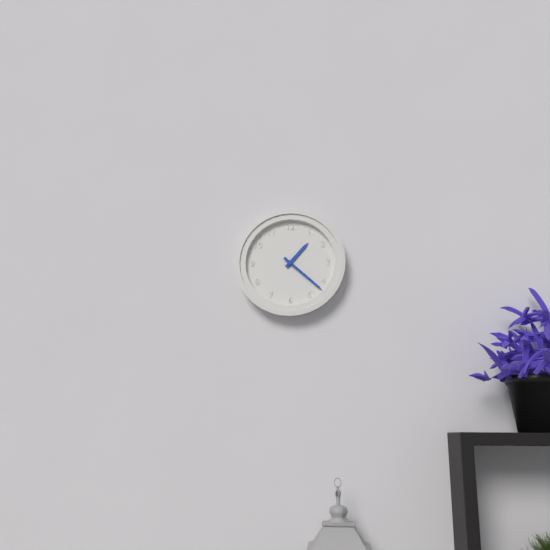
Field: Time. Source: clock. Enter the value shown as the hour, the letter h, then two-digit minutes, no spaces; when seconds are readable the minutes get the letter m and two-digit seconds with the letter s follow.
1h22
